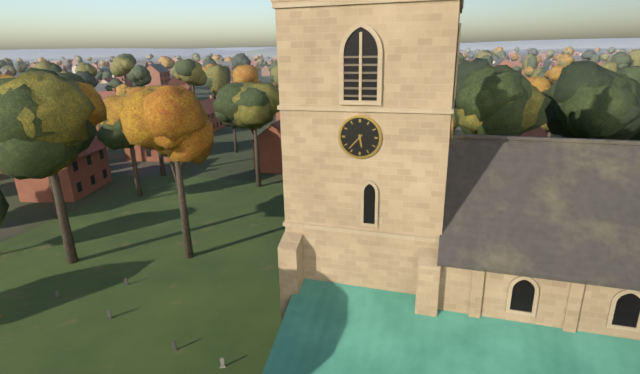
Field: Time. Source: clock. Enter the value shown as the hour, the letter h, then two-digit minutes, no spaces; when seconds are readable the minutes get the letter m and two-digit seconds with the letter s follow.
5h37
